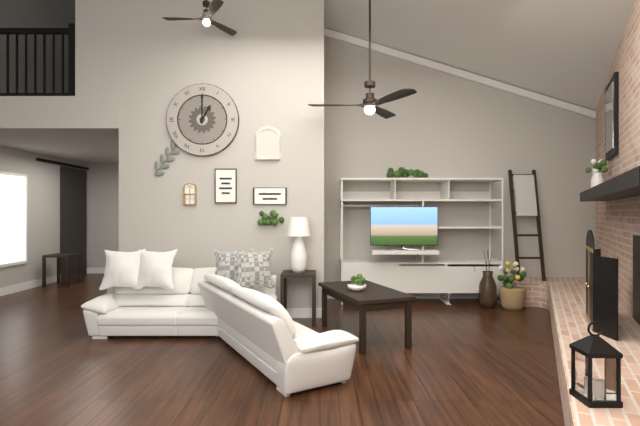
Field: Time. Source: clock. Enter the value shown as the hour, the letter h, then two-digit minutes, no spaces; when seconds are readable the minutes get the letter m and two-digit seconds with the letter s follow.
1h00
